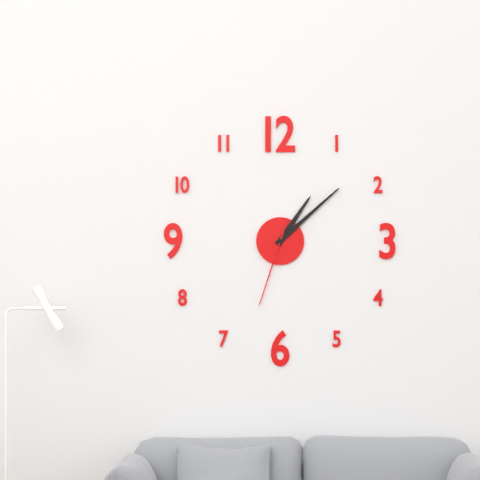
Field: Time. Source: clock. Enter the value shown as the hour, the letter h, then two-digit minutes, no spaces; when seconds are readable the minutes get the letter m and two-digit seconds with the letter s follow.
1h08m33s
